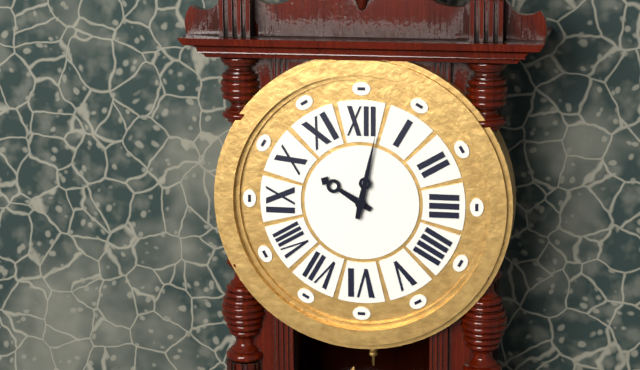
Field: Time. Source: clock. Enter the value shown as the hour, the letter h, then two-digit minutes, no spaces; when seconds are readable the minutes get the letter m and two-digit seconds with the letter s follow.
10h02
